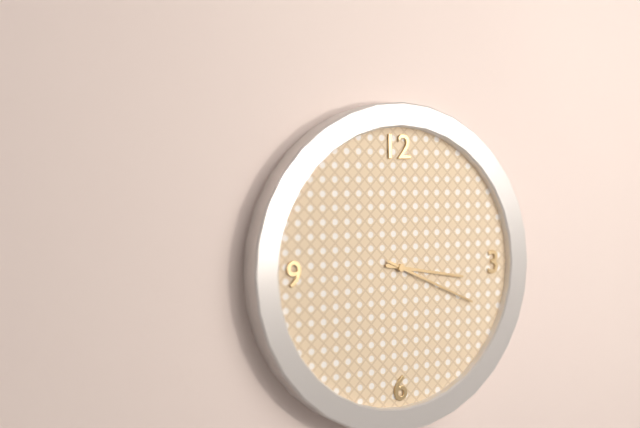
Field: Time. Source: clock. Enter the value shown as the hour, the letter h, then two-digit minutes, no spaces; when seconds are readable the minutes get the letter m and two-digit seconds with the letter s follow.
3h19
